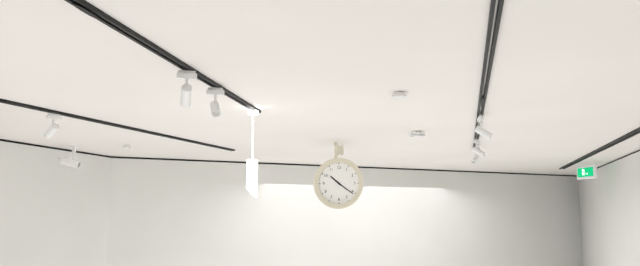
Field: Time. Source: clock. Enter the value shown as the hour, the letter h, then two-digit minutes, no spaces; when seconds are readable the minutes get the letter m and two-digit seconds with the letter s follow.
10h21
